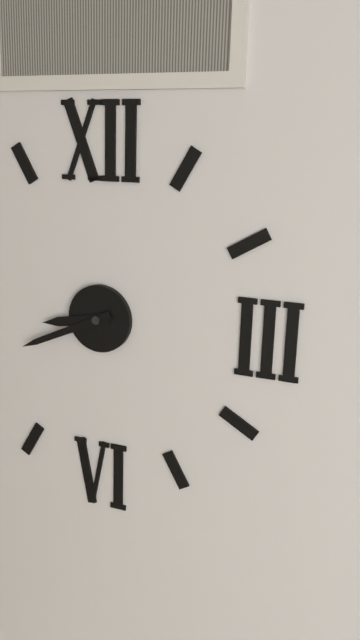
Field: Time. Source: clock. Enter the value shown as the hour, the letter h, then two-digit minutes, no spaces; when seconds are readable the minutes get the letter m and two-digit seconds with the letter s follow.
8h41
